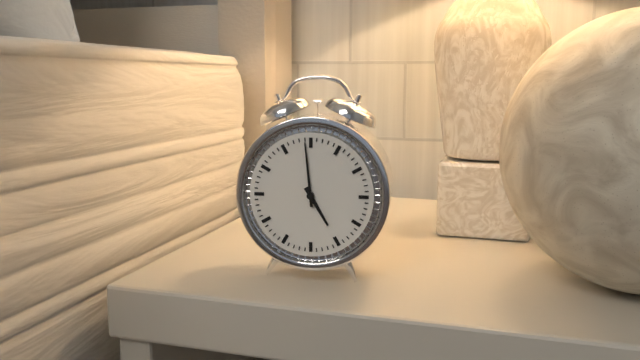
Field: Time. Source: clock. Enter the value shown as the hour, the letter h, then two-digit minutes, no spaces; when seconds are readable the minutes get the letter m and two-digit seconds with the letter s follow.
4h59
